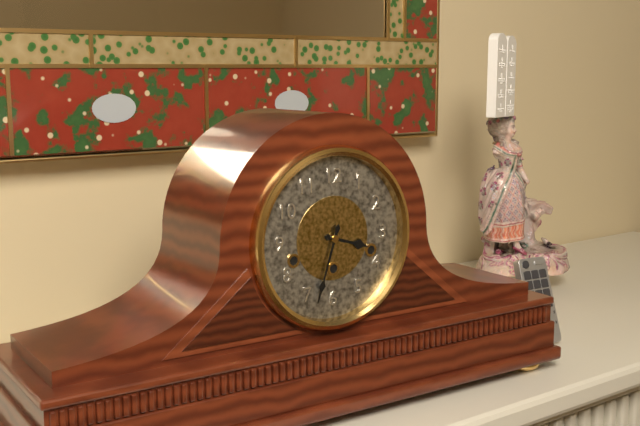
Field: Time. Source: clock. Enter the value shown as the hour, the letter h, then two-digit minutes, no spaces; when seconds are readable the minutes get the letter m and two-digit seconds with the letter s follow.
3h33
